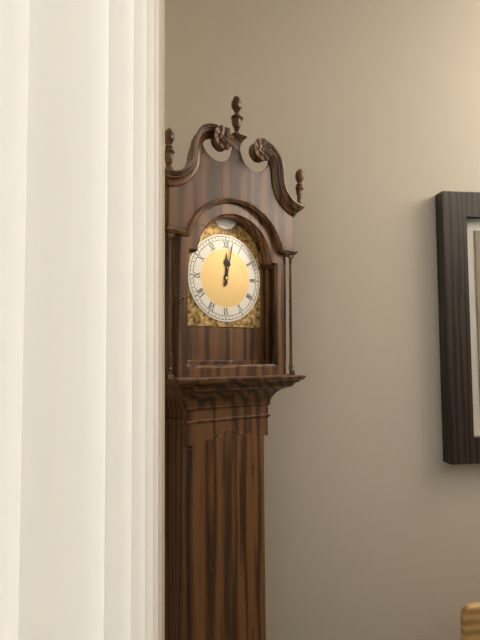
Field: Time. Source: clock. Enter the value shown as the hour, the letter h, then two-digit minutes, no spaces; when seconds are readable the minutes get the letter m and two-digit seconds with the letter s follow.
12h02
